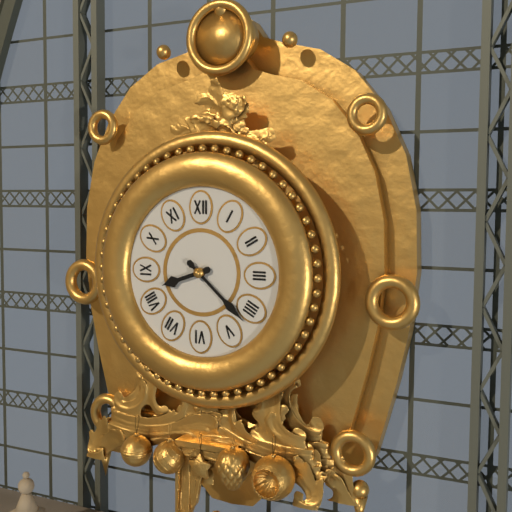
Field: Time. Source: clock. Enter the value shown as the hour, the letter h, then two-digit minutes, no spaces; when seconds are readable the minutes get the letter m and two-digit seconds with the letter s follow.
8h22
